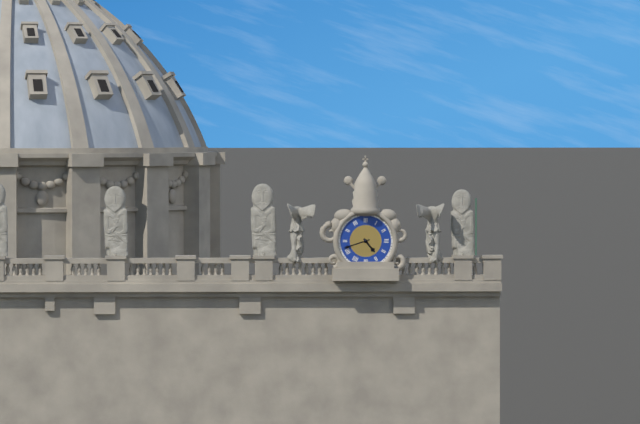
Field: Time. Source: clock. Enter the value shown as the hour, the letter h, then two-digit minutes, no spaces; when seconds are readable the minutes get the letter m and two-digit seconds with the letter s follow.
4h42
